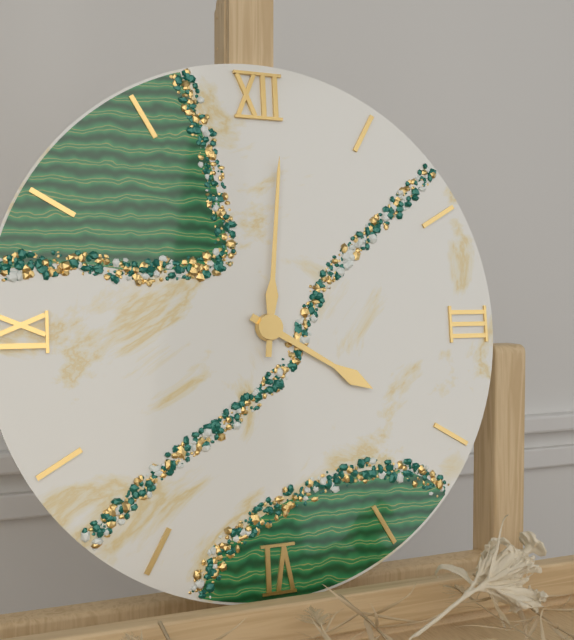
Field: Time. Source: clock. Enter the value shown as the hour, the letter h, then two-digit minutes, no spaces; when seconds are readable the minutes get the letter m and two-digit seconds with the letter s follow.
4h01
